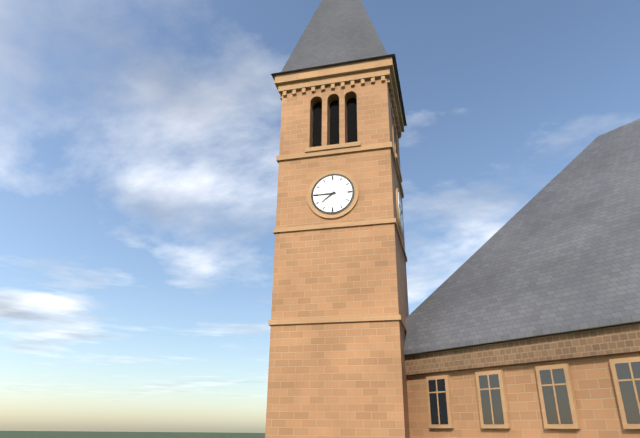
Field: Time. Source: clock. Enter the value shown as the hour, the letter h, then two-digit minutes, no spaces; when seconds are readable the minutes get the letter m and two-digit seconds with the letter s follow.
7h45
